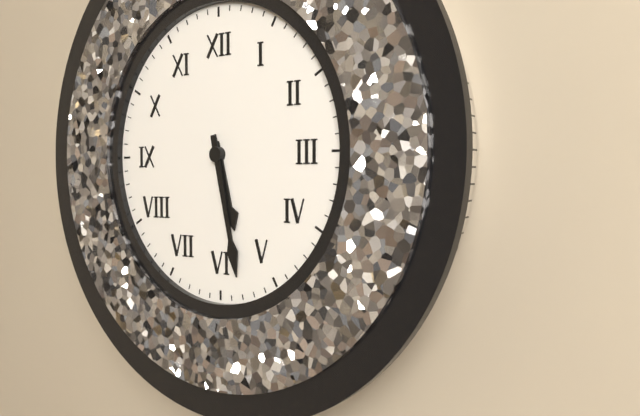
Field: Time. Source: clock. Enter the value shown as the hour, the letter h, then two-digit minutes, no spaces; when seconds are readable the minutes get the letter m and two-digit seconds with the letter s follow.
5h28
